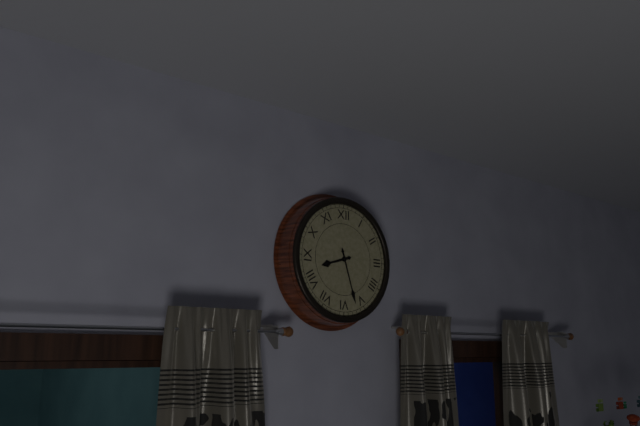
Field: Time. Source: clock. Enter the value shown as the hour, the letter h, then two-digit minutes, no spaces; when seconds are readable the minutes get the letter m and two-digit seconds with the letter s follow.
8h27
